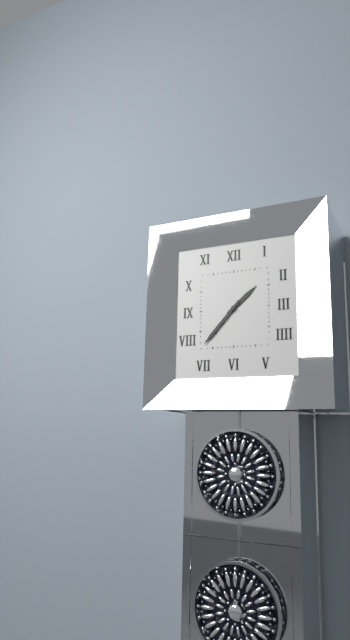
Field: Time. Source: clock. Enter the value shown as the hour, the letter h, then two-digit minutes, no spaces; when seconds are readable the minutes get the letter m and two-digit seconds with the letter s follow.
1h37
